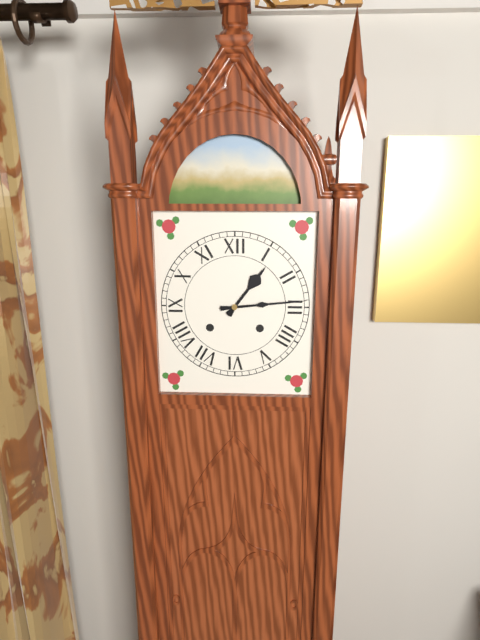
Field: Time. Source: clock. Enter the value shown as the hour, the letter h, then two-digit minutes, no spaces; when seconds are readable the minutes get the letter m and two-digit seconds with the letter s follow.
1h14
